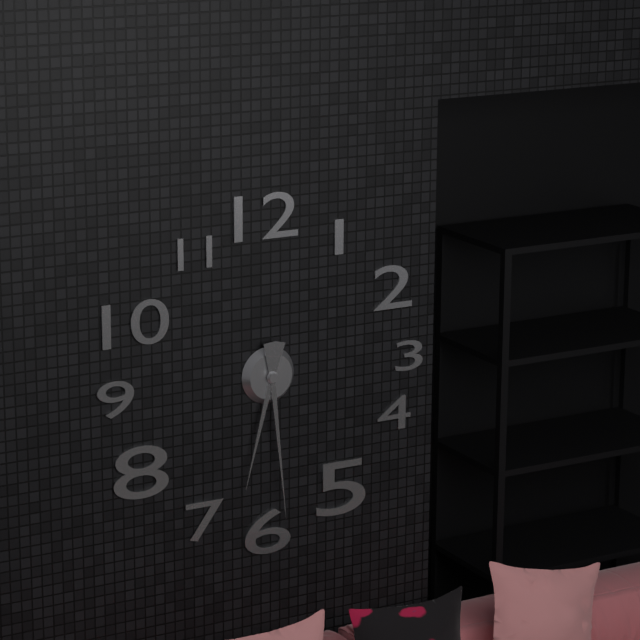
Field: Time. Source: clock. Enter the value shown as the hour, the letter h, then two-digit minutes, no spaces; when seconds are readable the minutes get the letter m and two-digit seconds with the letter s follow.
6h29
